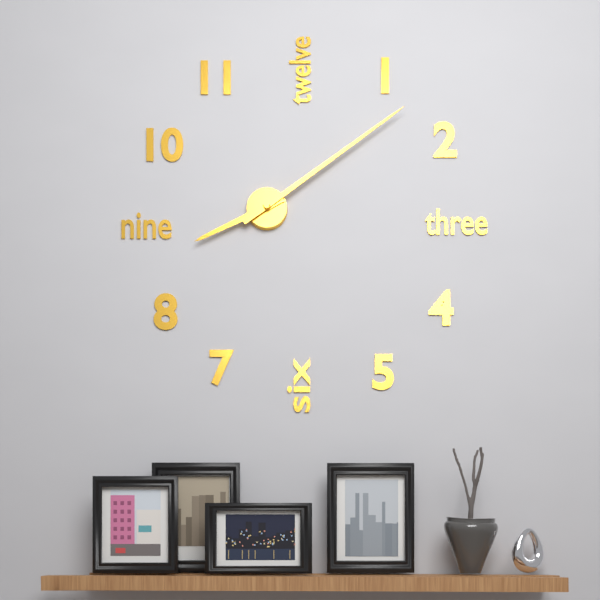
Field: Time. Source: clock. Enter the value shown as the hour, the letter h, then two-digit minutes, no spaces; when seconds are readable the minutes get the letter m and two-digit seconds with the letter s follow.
8h09
